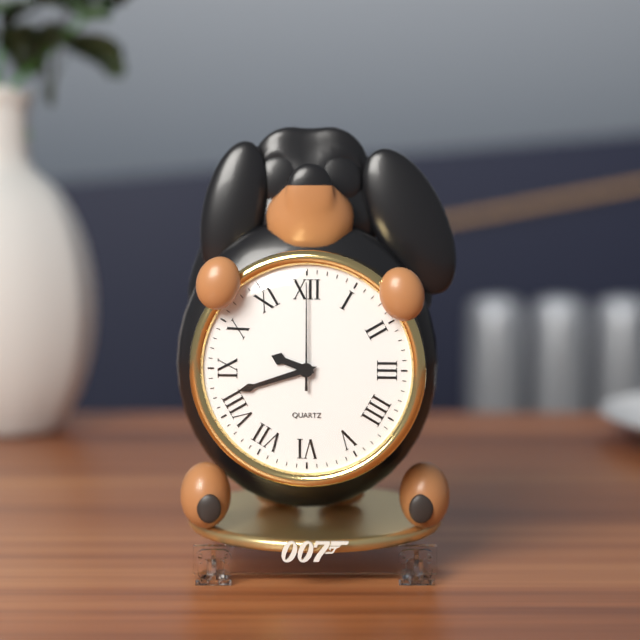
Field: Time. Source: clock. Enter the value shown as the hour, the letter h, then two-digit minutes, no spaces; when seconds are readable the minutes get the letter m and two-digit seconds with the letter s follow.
9h42m00s
